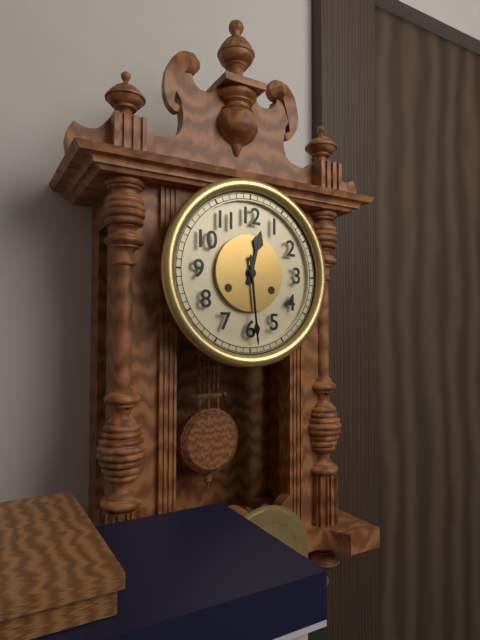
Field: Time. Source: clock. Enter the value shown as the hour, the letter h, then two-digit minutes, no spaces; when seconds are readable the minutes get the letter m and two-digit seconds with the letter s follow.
12h29
